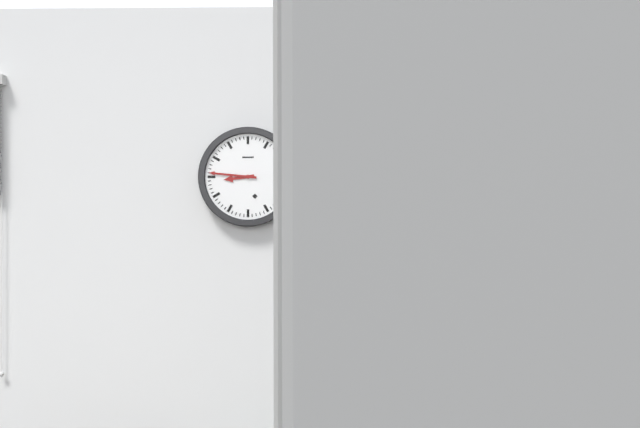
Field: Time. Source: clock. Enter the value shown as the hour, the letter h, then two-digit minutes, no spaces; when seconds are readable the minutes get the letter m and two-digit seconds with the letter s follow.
8h46
